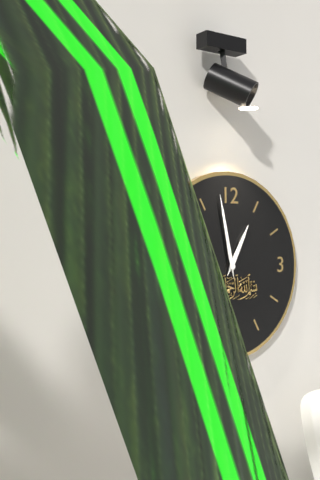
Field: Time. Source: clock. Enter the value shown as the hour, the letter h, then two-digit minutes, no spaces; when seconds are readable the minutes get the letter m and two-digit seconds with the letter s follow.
12h58
